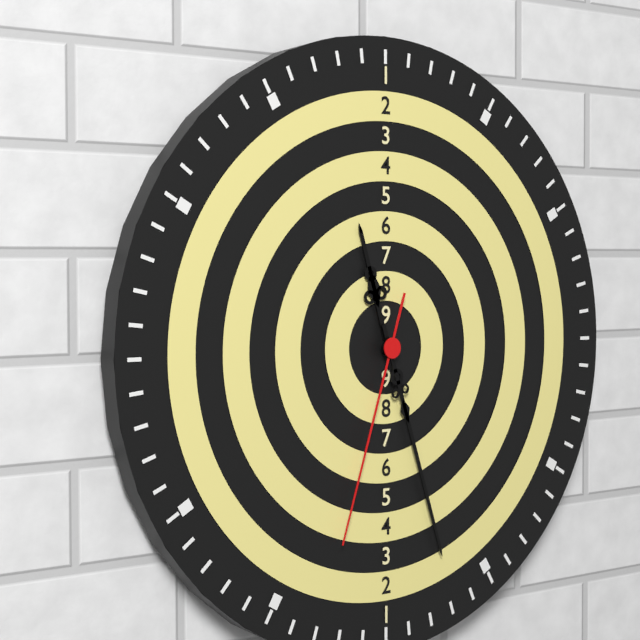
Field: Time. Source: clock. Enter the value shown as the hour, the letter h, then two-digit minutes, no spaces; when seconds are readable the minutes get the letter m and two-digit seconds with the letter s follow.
11h27m33s
